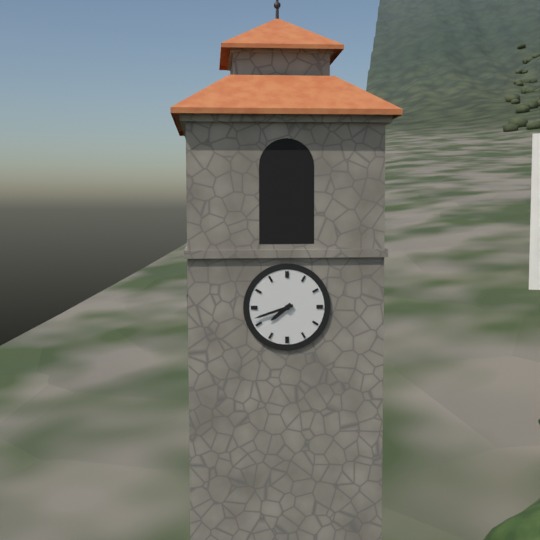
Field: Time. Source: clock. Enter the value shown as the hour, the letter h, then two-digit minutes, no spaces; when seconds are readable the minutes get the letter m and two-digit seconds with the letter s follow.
7h42
